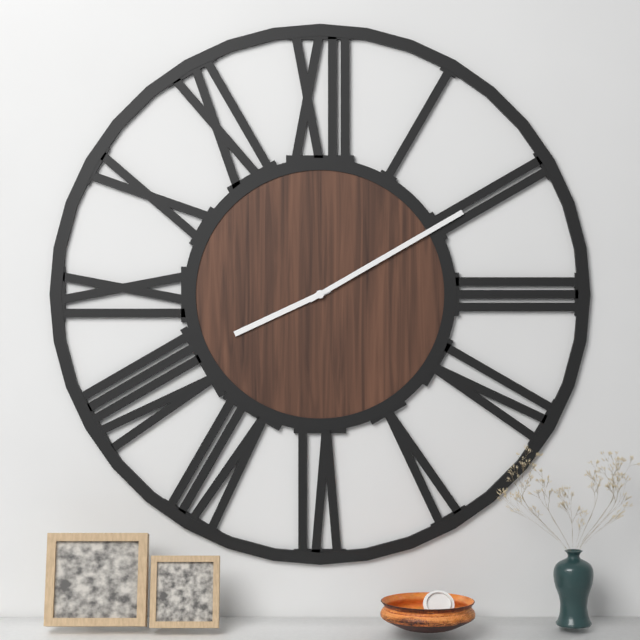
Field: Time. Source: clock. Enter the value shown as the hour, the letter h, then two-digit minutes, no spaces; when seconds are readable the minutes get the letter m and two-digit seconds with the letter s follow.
8h10
